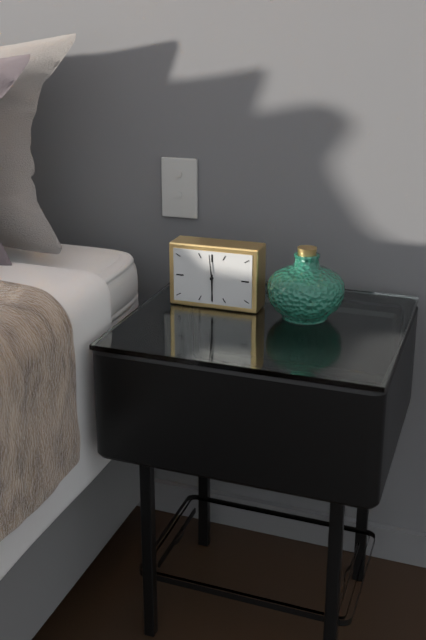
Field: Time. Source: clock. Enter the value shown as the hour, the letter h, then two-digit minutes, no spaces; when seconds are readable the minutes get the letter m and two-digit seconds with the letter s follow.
5h59
